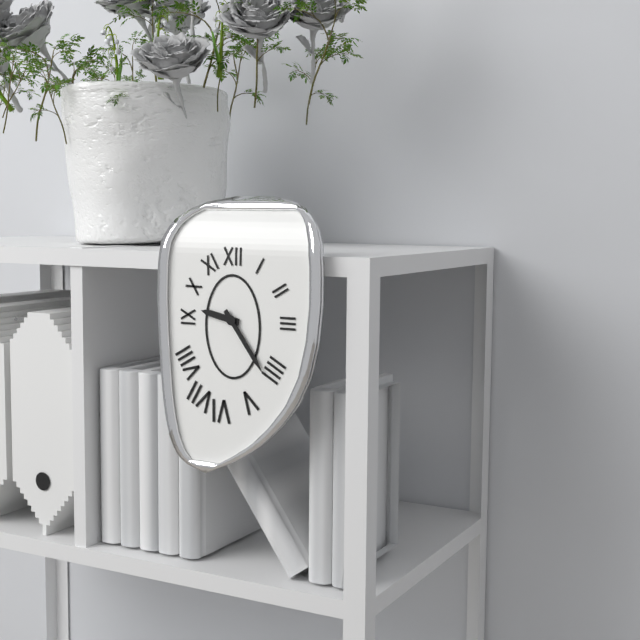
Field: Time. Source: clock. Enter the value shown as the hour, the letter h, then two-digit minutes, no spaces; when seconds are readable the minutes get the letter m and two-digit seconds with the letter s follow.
9h24
